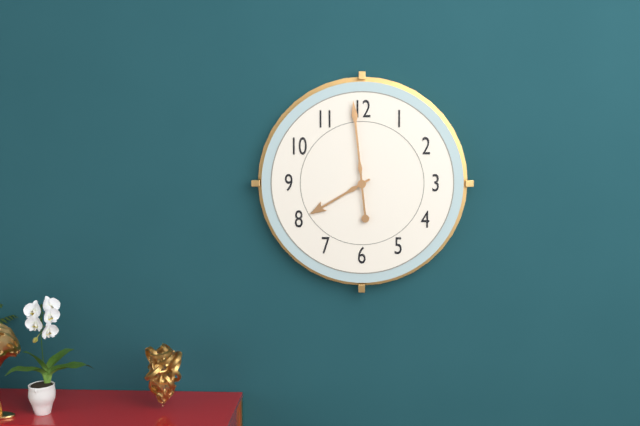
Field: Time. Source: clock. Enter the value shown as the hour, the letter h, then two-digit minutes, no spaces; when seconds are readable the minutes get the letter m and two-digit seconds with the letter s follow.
7h59
